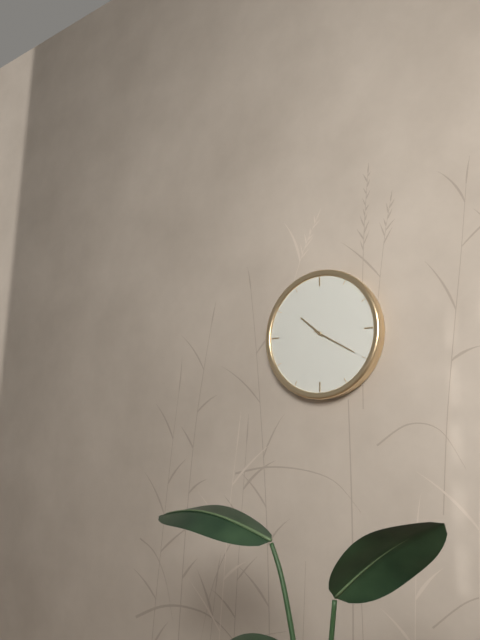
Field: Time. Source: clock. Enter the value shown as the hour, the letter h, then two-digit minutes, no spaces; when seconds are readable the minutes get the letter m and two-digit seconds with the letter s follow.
10h20
